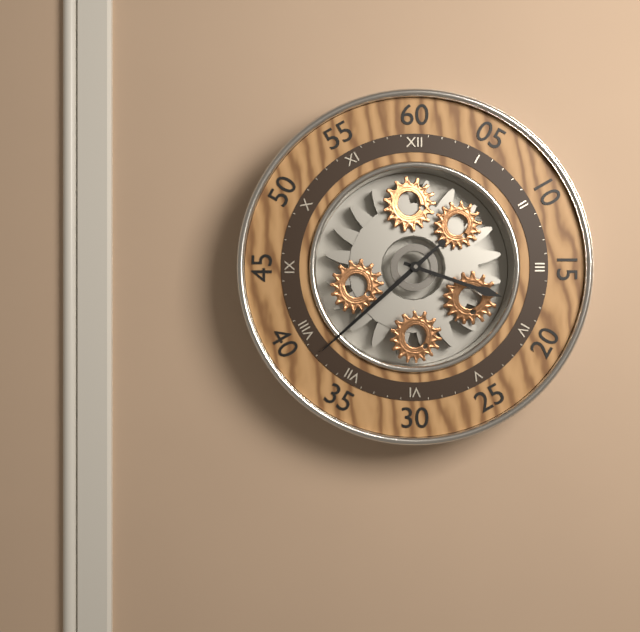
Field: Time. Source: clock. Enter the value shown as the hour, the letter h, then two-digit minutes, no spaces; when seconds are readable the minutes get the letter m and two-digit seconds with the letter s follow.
3h38
